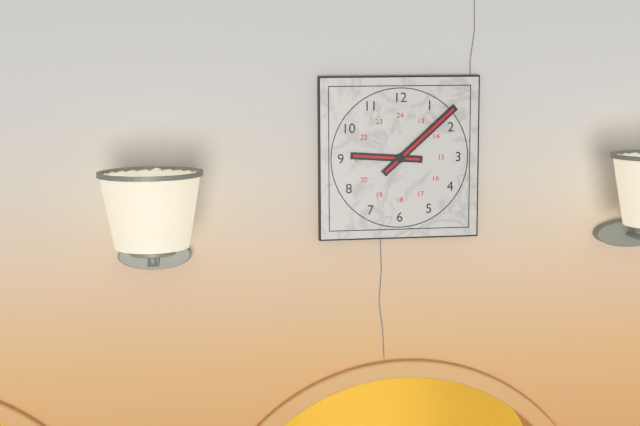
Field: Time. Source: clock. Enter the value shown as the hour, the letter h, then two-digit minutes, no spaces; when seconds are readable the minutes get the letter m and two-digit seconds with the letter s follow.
9h08
